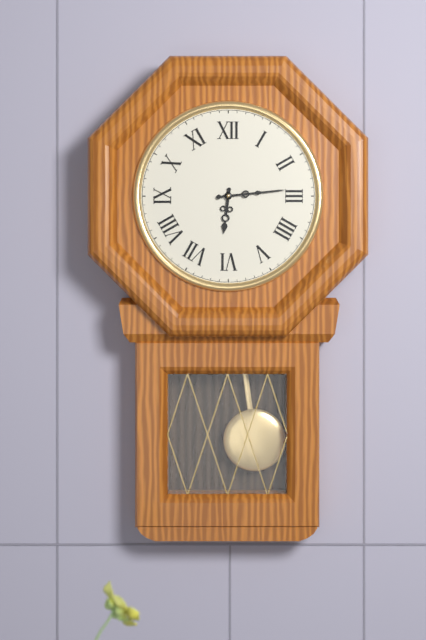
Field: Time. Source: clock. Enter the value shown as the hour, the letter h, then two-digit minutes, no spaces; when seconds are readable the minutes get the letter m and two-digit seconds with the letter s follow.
6h14
